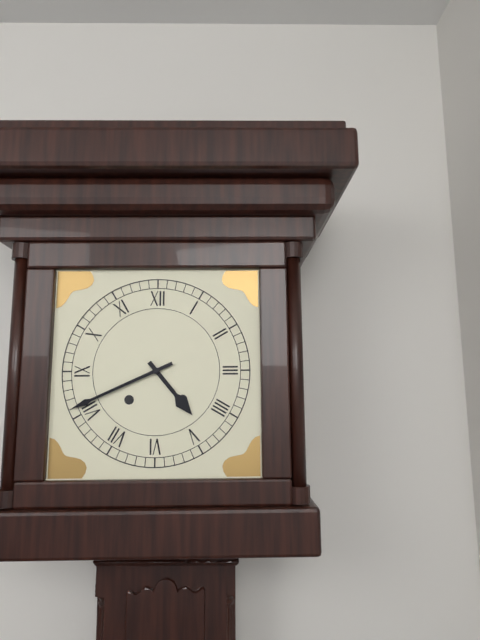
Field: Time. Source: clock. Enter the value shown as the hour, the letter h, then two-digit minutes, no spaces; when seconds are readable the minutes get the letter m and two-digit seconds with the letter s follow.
4h41
